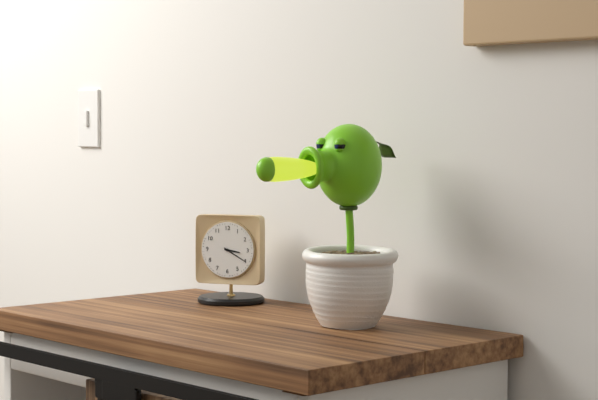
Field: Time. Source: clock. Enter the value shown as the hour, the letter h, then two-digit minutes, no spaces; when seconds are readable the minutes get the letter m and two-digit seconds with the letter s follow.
3h20
